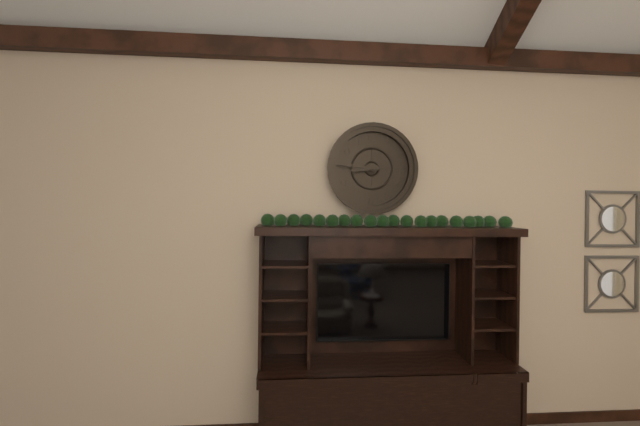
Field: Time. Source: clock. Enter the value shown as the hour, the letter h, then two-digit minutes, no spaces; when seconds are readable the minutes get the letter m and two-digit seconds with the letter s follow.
8h46
